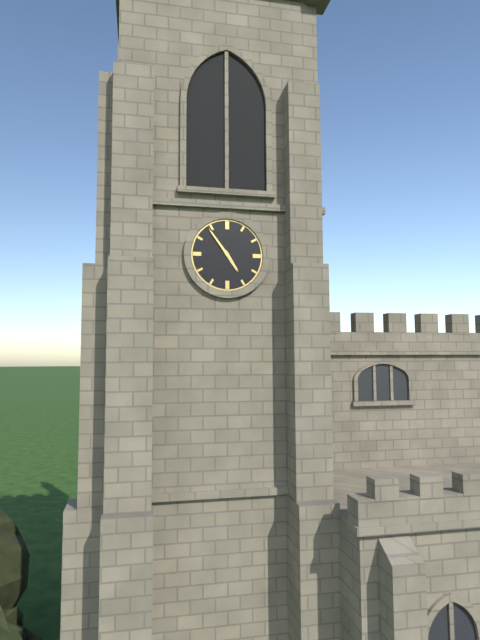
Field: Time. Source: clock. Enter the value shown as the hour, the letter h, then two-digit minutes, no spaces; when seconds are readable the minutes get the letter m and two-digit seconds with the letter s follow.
4h54
